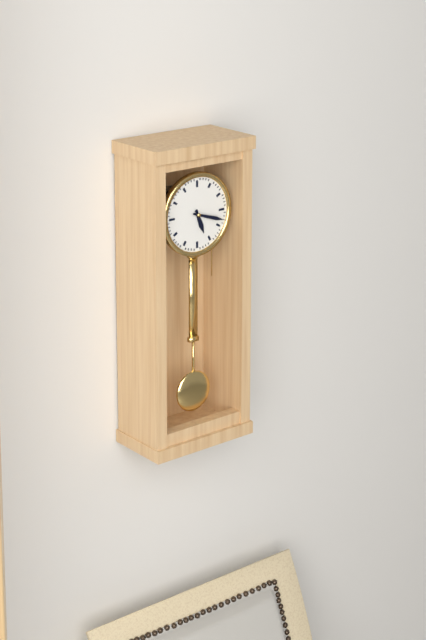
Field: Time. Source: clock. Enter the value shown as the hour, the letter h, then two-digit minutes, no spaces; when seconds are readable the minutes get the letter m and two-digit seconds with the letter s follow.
5h18
